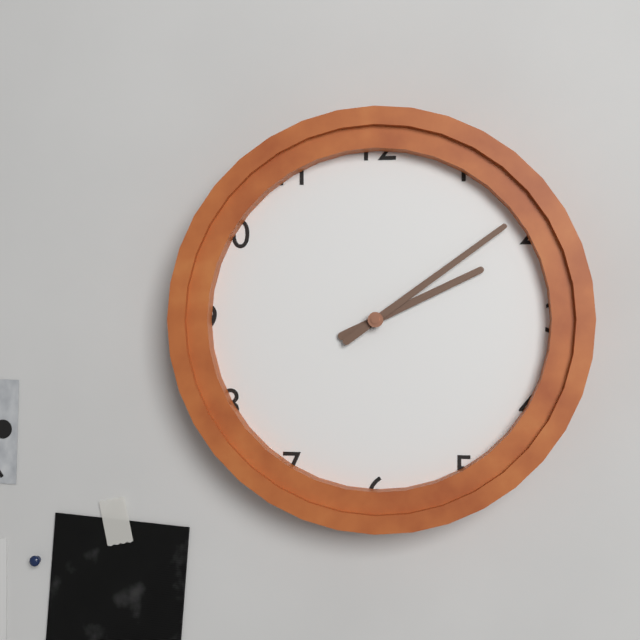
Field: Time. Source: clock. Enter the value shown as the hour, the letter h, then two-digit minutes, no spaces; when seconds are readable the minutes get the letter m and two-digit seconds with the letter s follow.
2h09
